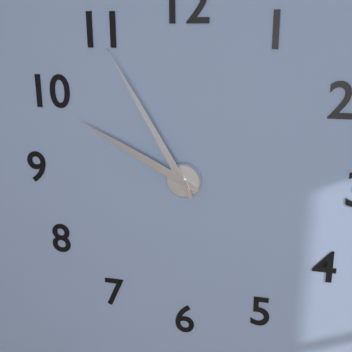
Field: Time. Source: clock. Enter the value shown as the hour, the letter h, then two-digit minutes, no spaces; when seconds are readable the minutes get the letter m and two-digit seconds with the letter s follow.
9h55
